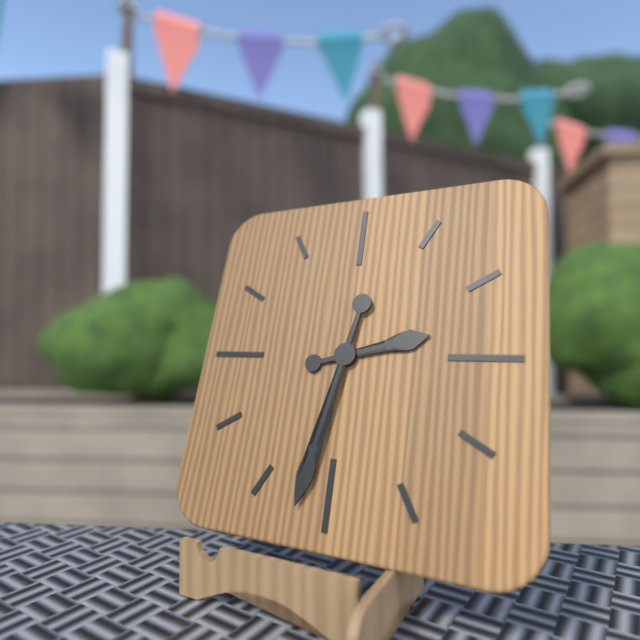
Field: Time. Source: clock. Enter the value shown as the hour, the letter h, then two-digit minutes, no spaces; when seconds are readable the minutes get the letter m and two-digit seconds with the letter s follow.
2h32
